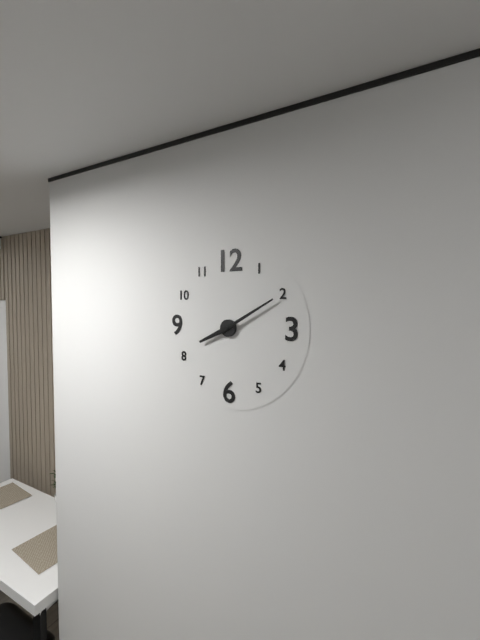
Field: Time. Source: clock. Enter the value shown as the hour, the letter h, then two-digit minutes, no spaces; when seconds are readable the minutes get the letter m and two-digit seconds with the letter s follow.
8h10
